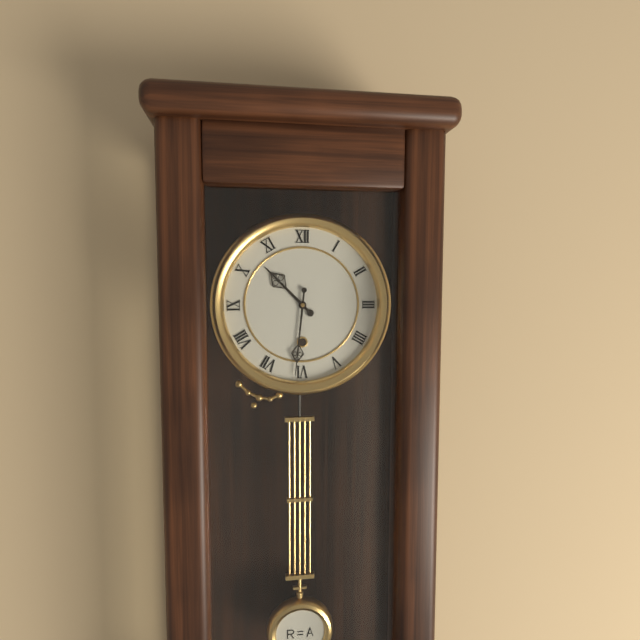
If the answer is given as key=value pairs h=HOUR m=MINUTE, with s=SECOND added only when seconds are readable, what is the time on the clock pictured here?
h=10 m=31
